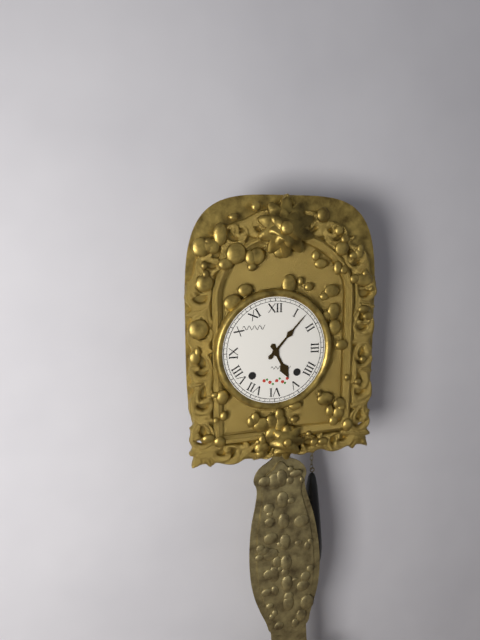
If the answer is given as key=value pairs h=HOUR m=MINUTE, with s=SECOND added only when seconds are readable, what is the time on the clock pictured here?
h=5 m=7
